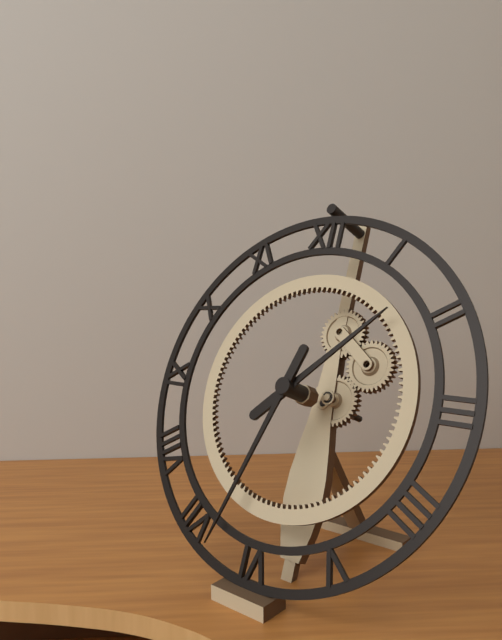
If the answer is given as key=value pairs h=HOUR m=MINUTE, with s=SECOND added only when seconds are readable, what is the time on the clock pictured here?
h=1 m=33
